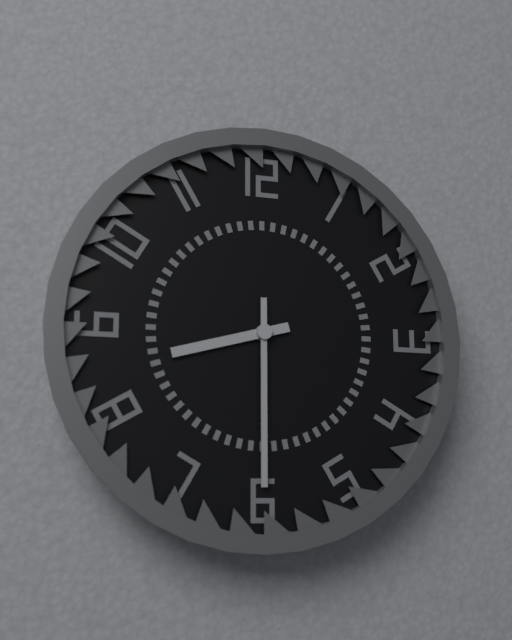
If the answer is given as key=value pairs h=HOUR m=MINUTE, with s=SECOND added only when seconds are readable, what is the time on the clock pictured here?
h=8 m=30
